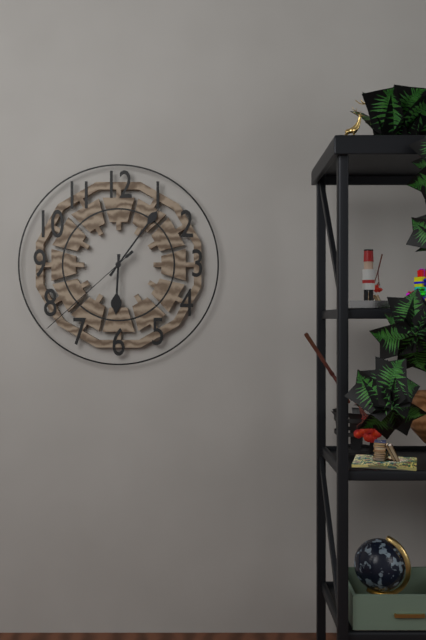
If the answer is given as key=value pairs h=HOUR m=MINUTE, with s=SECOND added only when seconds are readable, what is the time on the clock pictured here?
h=6 m=6 s=38
